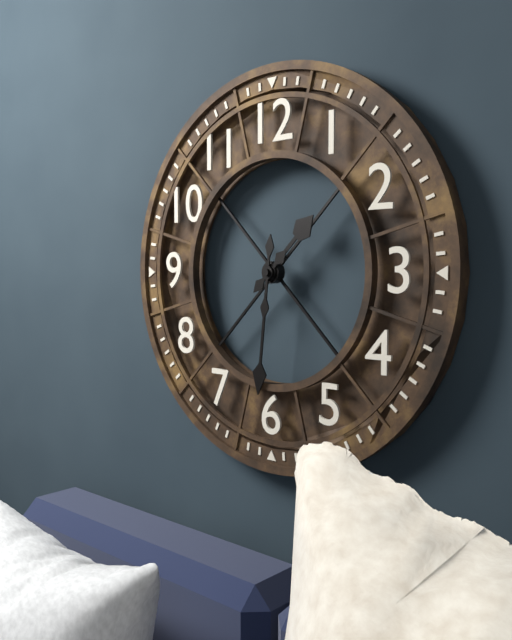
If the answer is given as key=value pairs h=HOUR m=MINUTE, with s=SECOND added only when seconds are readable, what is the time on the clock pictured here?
h=1 m=31
